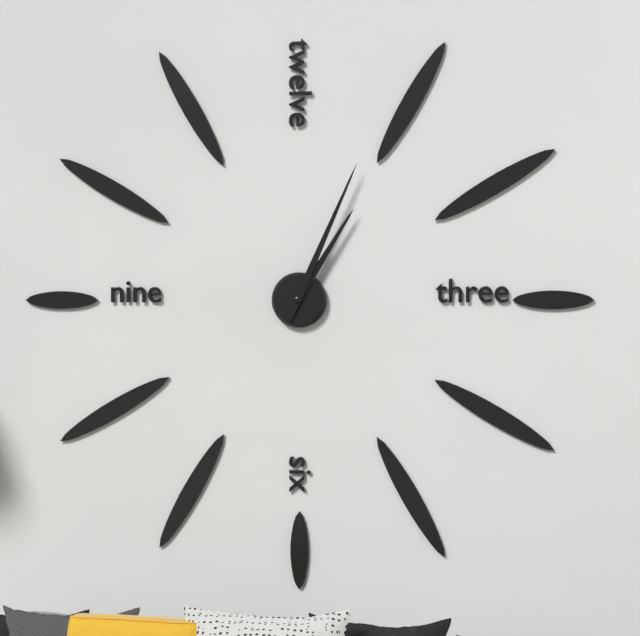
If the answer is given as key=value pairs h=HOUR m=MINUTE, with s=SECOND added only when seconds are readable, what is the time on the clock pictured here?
h=1 m=4
